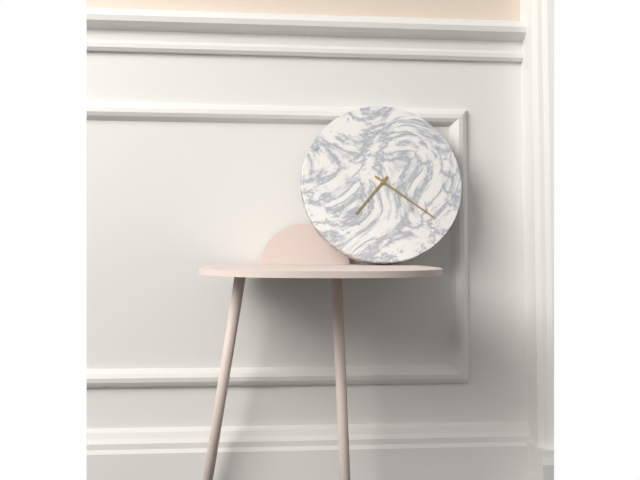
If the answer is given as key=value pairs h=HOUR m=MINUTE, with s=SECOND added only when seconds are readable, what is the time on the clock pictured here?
h=7 m=21
